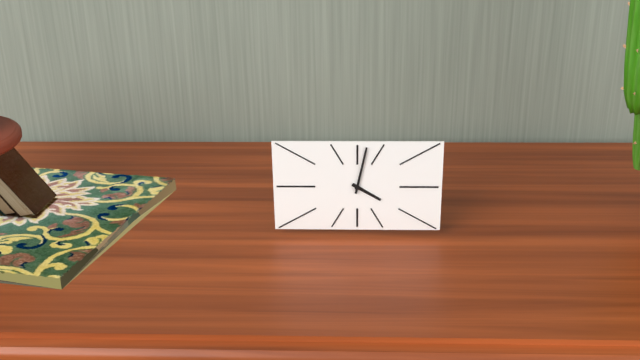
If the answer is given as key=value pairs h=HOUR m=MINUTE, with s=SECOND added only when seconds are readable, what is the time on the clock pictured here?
h=4 m=2
